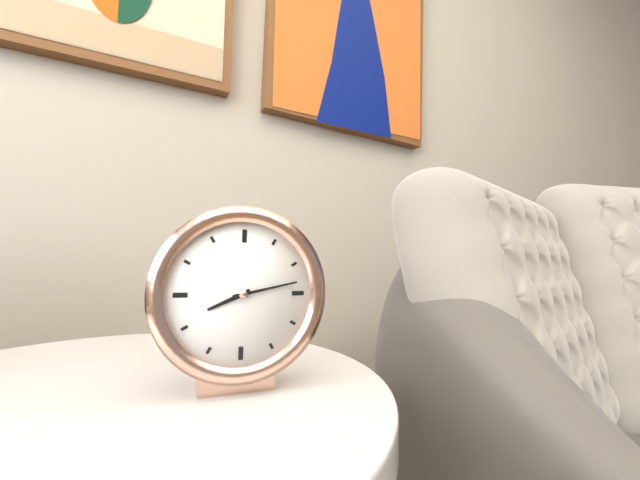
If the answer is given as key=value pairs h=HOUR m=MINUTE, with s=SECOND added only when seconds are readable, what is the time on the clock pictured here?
h=8 m=13
